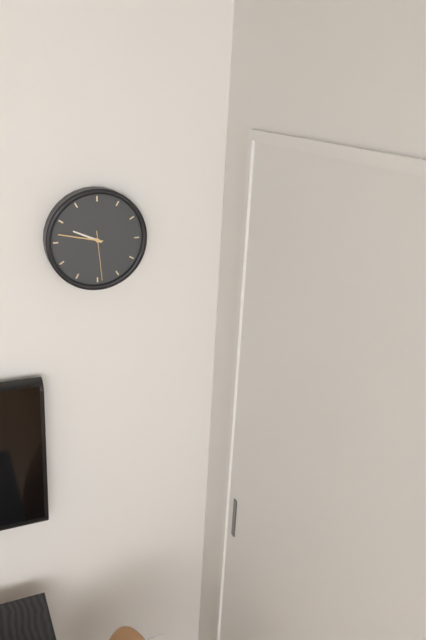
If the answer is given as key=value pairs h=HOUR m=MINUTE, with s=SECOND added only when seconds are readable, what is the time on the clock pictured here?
h=9 m=47 s=29
